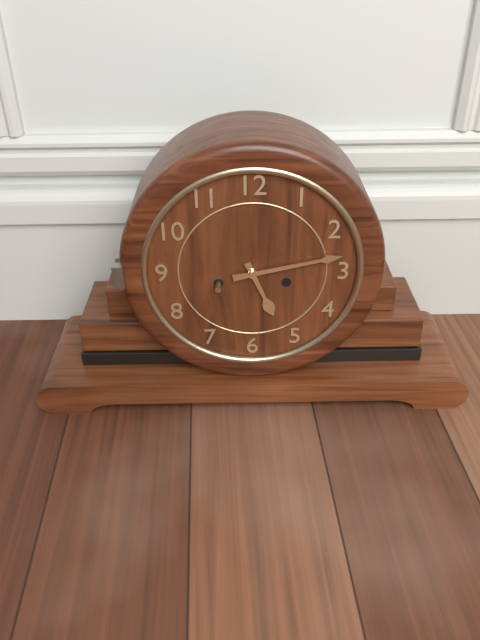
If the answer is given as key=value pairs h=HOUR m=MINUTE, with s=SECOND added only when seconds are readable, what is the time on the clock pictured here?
h=5 m=13
